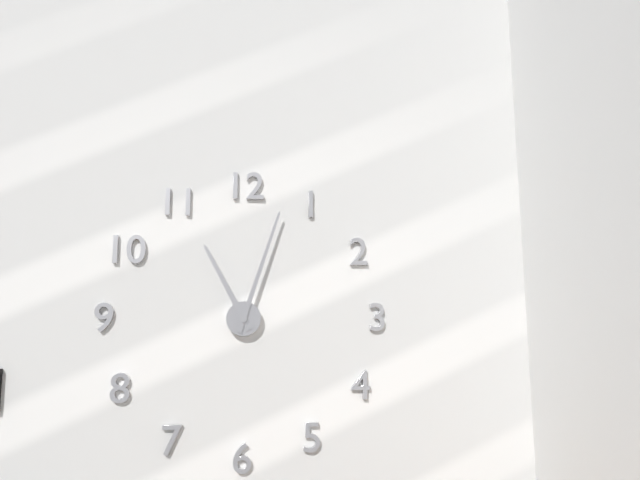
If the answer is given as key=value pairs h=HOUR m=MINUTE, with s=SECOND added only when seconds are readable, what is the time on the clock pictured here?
h=11 m=3
